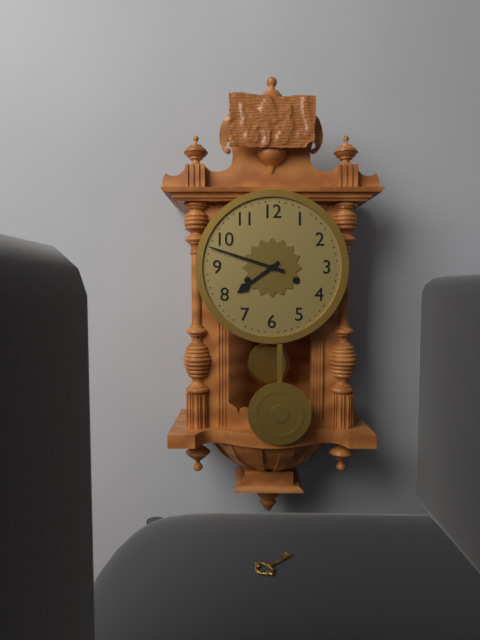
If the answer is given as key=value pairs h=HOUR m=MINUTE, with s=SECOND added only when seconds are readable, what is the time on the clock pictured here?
h=7 m=48
